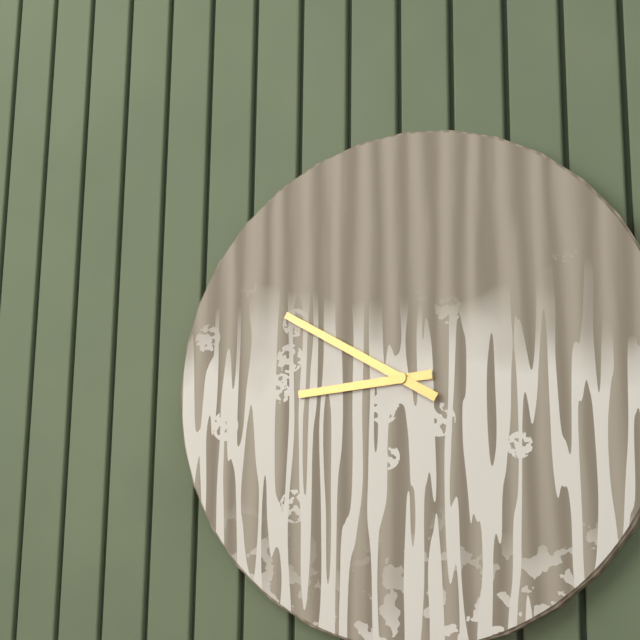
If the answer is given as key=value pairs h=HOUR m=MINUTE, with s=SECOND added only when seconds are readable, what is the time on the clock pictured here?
h=8 m=50
